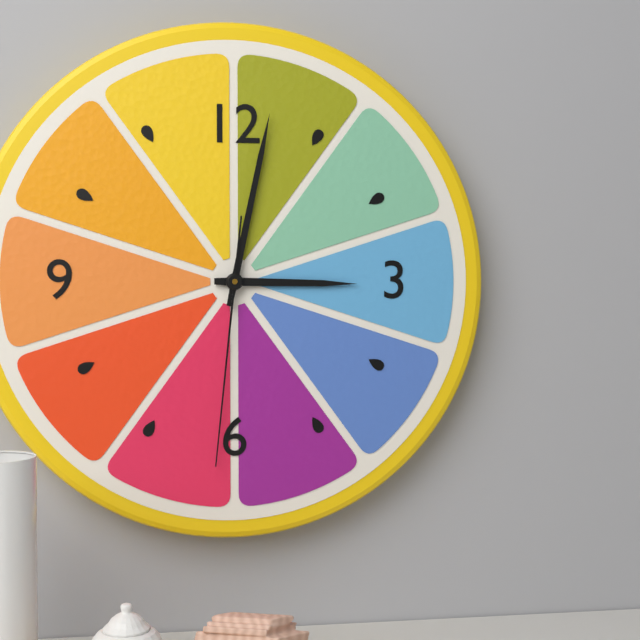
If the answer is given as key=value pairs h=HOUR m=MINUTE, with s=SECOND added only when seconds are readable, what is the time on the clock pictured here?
h=3 m=2 s=31
